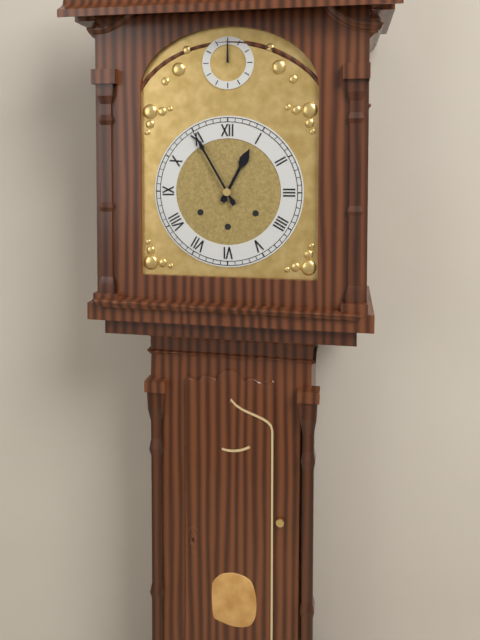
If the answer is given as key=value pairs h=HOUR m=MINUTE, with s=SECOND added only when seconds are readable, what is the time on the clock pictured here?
h=12 m=55
